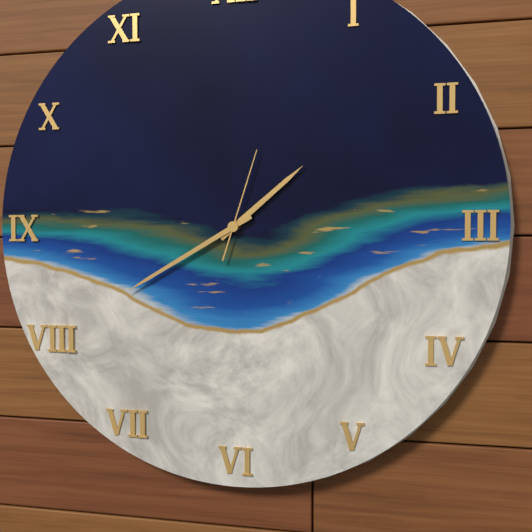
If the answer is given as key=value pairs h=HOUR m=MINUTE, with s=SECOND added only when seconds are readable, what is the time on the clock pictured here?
h=1 m=40 s=3
